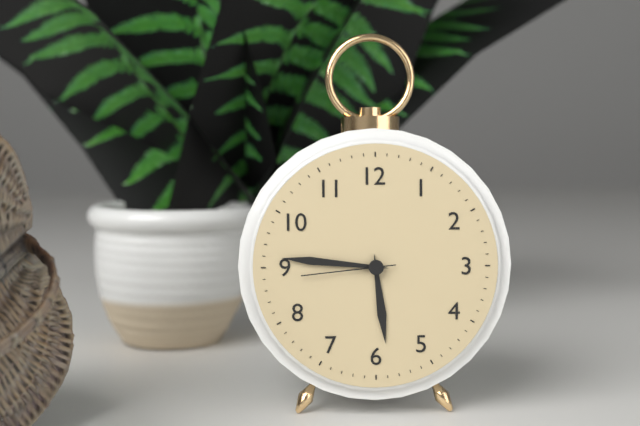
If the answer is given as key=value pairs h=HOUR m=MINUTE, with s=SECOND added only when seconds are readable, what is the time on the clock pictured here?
h=5 m=46 s=44
